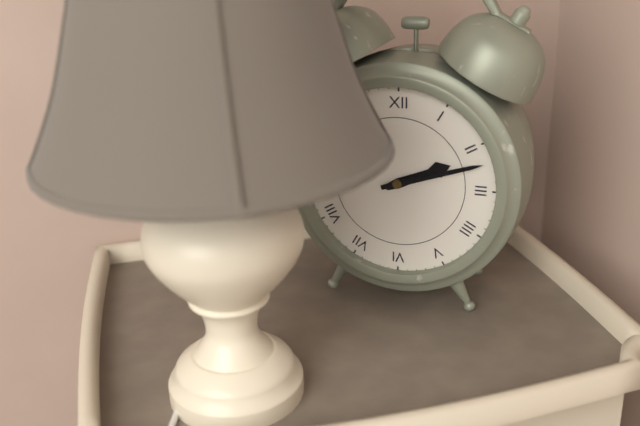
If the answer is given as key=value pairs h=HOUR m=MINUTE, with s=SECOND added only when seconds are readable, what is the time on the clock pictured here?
h=2 m=12
